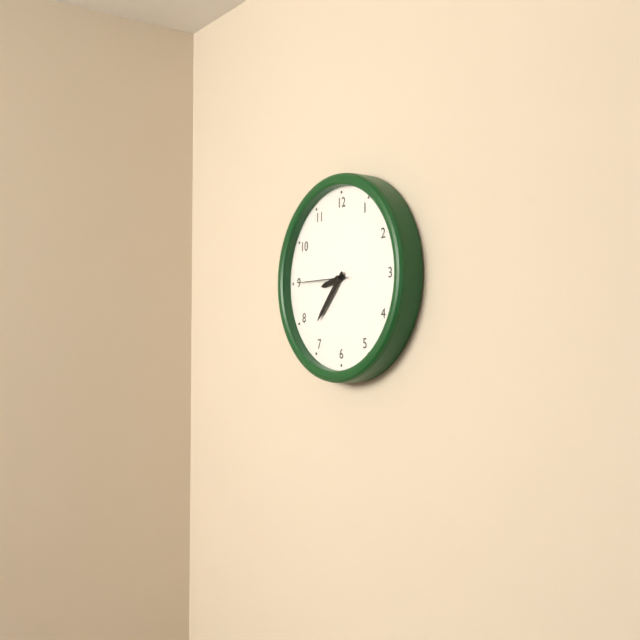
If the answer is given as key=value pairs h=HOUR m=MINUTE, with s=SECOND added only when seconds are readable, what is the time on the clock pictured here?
h=8 m=37 s=45
